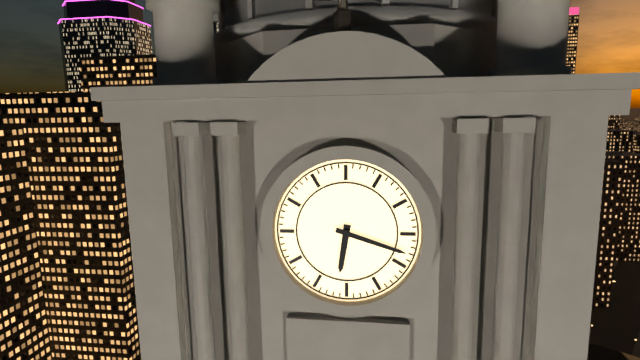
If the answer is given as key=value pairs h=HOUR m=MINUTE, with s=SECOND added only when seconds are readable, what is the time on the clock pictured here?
h=6 m=18
